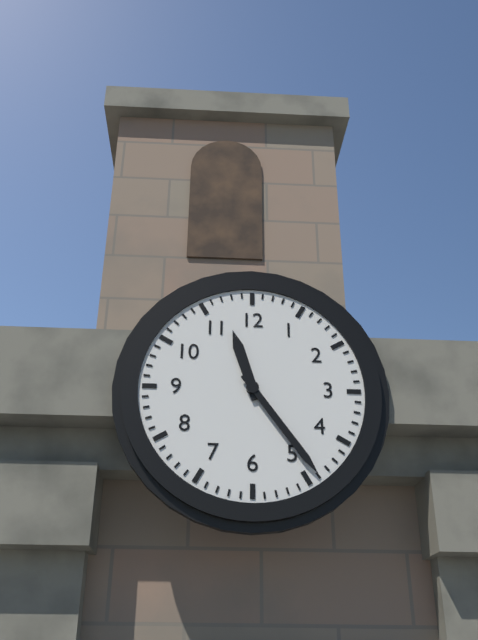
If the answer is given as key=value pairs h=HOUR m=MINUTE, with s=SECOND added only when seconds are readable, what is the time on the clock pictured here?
h=11 m=24
